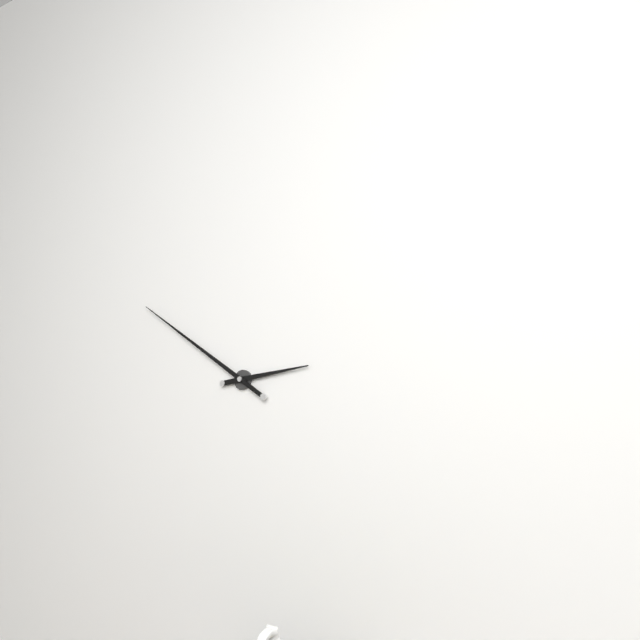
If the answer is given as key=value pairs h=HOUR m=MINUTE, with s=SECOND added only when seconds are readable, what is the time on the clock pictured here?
h=2 m=51
